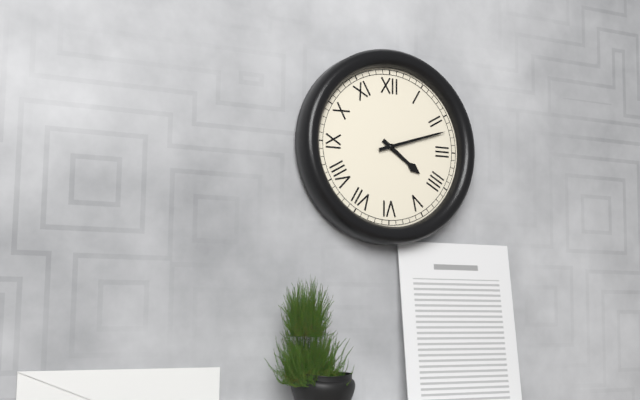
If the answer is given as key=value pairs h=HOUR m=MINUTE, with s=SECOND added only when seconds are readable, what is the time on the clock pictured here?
h=4 m=12
